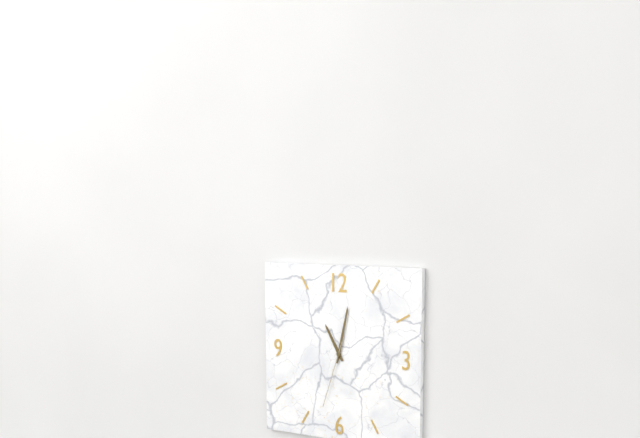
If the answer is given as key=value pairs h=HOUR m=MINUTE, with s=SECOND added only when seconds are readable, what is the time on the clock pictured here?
h=11 m=2 s=33
